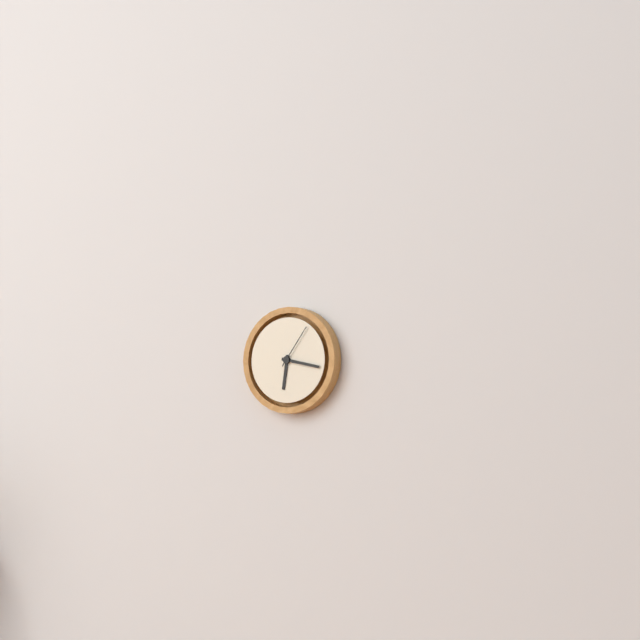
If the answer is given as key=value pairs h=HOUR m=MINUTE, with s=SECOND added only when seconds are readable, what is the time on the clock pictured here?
h=6 m=17
